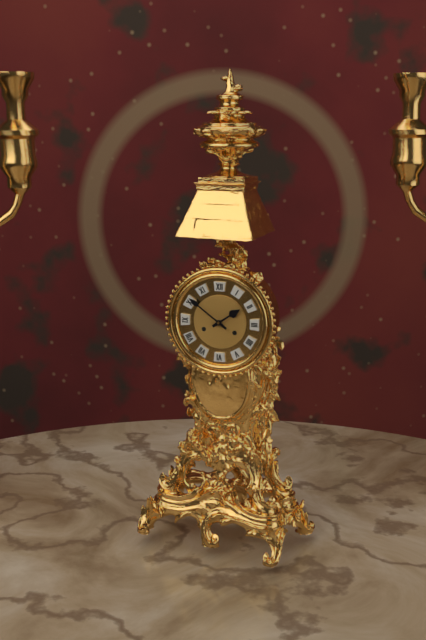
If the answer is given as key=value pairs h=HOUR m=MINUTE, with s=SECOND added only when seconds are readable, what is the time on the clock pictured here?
h=1 m=51
